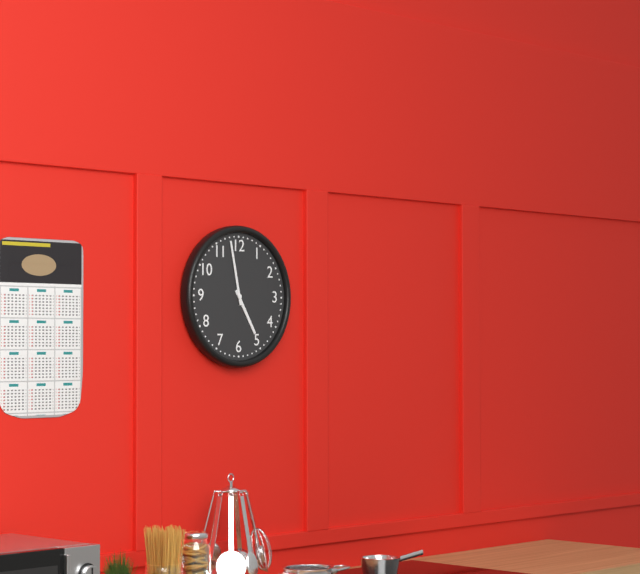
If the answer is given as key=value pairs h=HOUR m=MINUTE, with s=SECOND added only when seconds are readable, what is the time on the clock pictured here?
h=4 m=58
